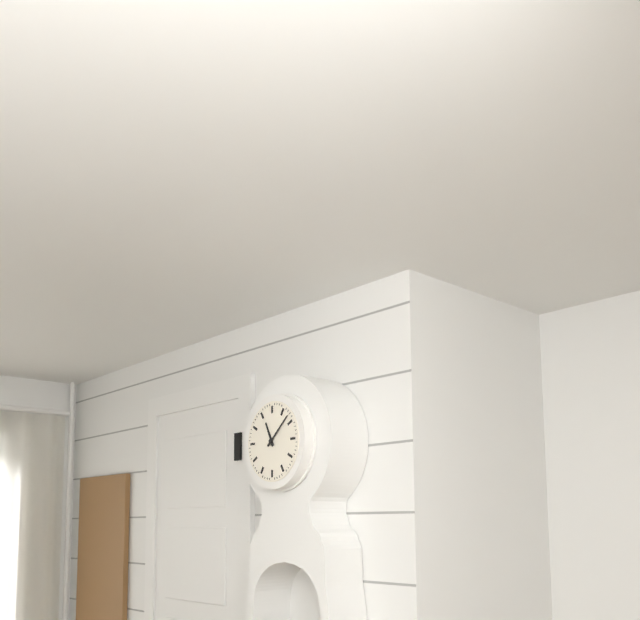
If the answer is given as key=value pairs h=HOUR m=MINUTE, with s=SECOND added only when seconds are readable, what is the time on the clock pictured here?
h=11 m=8
